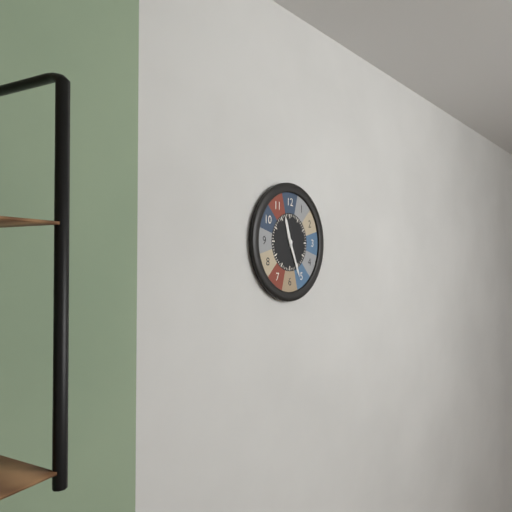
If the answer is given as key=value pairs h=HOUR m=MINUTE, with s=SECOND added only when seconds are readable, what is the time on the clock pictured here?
h=11 m=26
